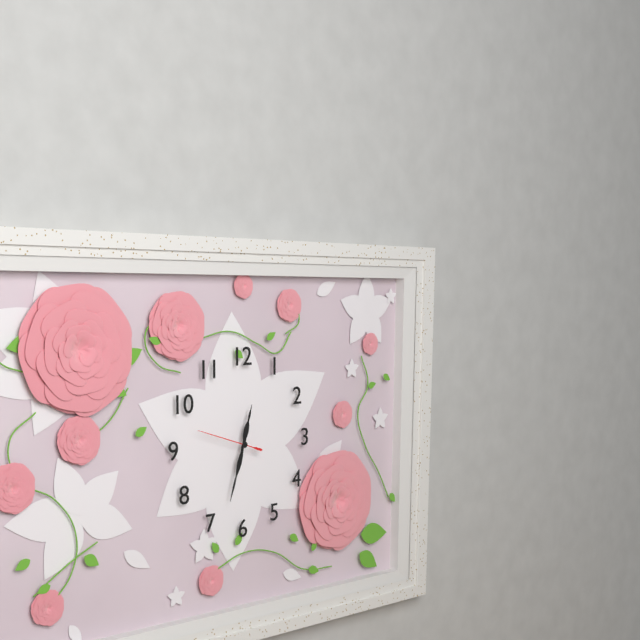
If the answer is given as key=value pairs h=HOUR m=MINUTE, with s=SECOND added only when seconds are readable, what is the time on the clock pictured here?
h=12 m=33 s=48
